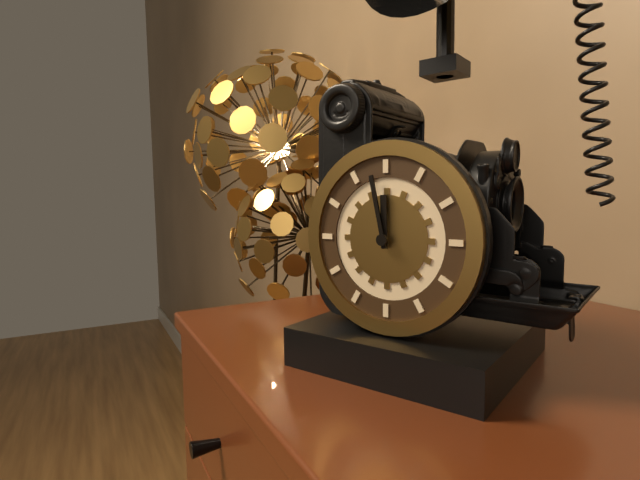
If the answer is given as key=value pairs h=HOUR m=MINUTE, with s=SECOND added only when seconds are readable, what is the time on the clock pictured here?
h=11 m=58
